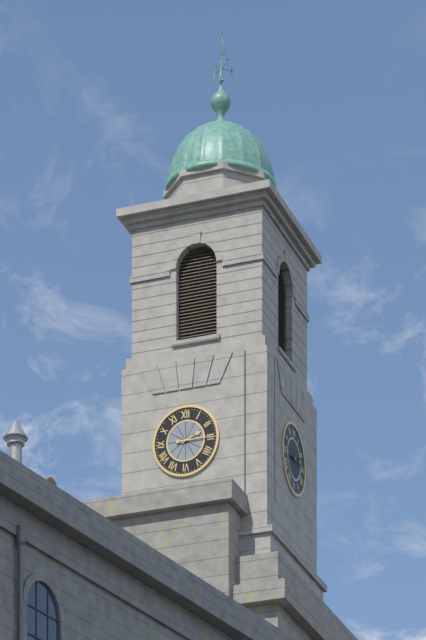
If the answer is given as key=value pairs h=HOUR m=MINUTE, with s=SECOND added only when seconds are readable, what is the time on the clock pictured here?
h=2 m=15
